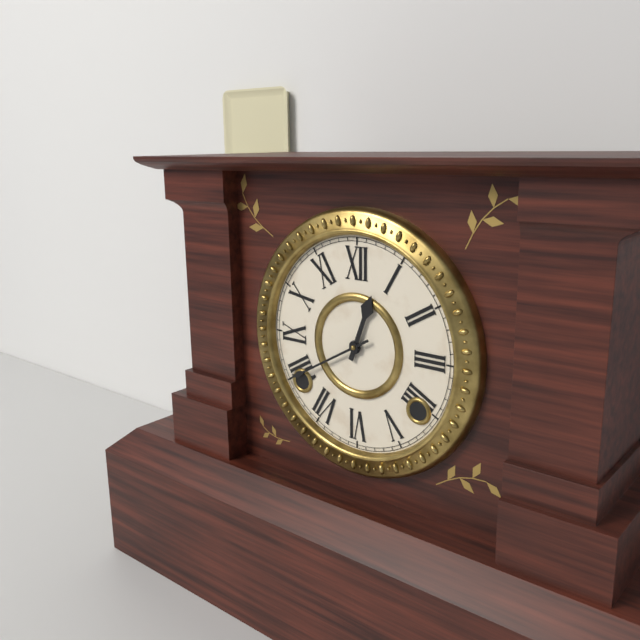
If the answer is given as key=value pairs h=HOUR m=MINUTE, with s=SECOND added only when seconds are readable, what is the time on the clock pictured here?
h=12 m=40
